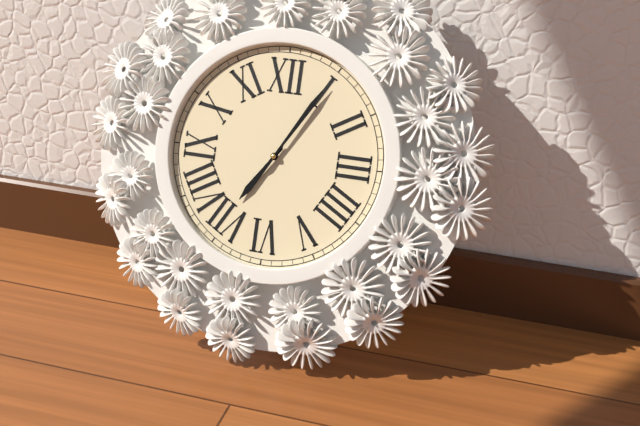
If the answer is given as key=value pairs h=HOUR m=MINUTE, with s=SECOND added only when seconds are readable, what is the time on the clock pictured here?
h=7 m=5
